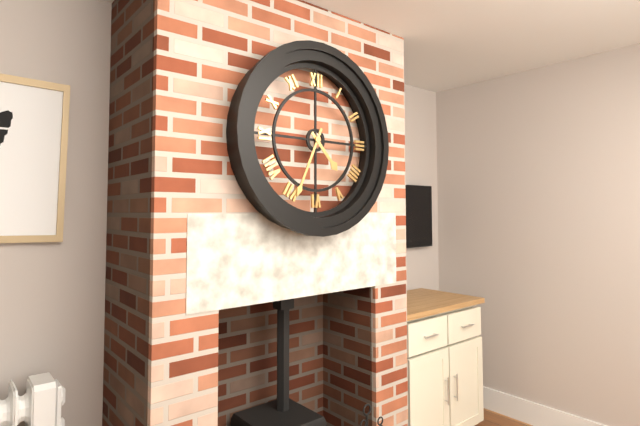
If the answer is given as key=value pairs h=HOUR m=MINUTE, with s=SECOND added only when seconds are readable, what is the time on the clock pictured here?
h=4 m=34
